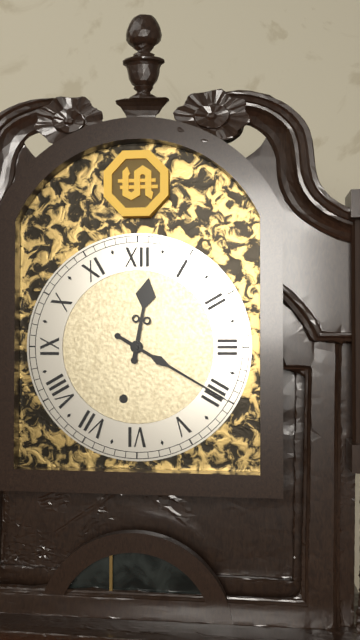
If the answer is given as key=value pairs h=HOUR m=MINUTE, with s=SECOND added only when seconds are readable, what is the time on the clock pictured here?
h=12 m=20
